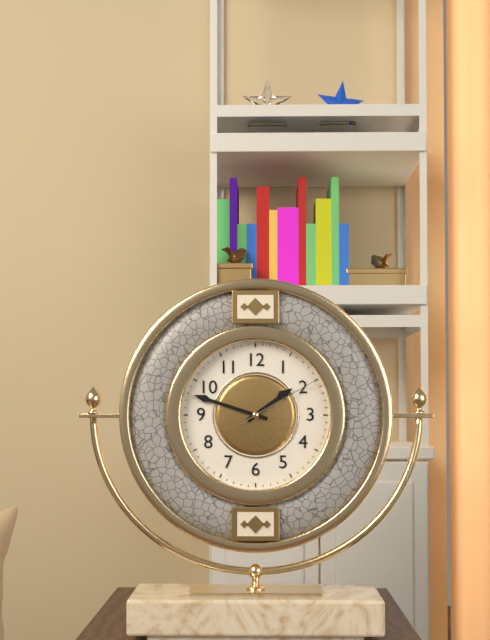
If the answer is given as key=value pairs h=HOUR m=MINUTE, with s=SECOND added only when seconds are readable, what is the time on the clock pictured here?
h=1 m=48 s=10
